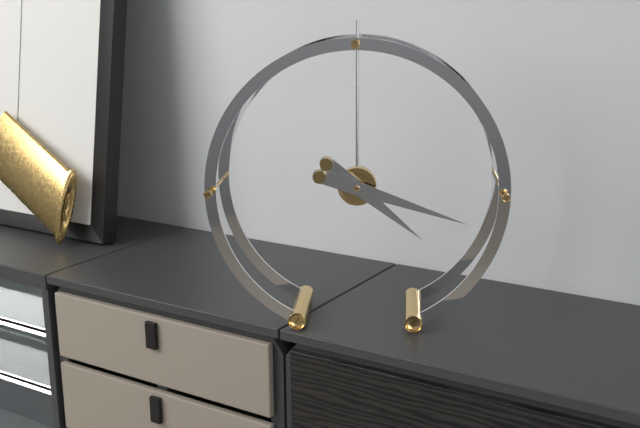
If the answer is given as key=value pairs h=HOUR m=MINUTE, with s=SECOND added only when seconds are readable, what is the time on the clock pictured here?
h=4 m=18
